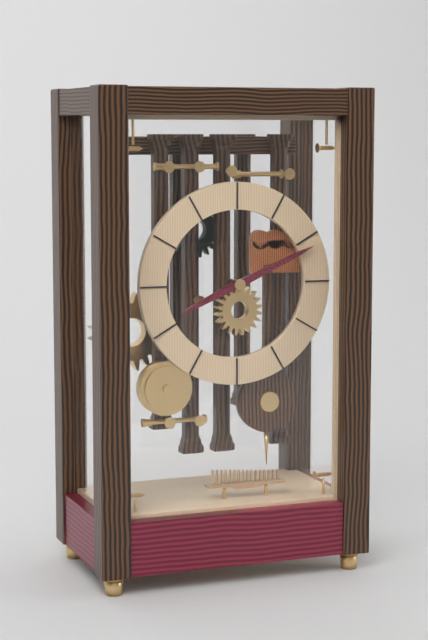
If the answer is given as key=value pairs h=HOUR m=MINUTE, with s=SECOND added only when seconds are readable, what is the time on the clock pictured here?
h=8 m=11
